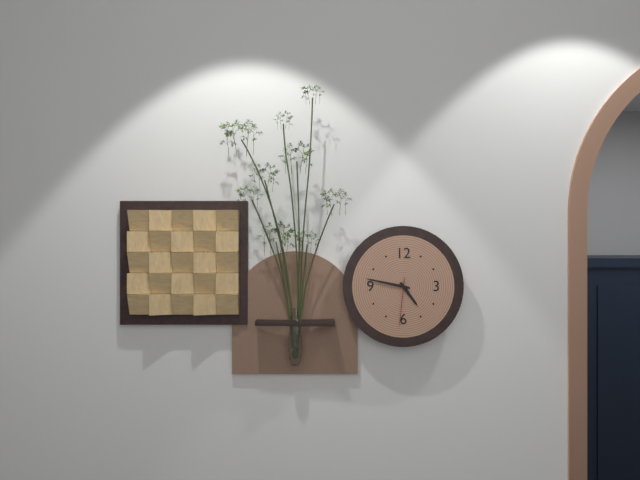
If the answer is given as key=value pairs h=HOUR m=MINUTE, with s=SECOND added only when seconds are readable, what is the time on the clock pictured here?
h=4 m=47 s=31
